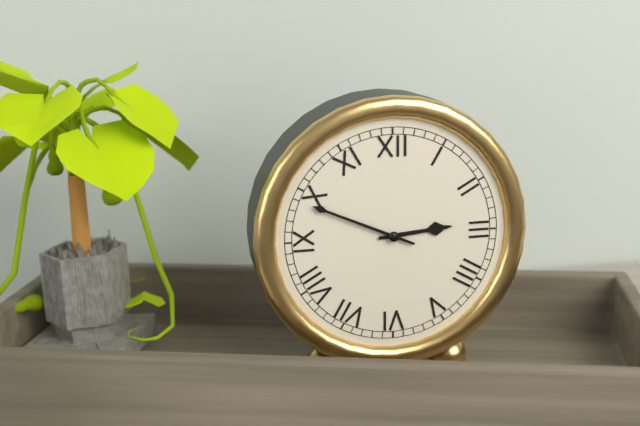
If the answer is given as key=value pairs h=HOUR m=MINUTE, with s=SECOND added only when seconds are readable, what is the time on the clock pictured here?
h=2 m=49
